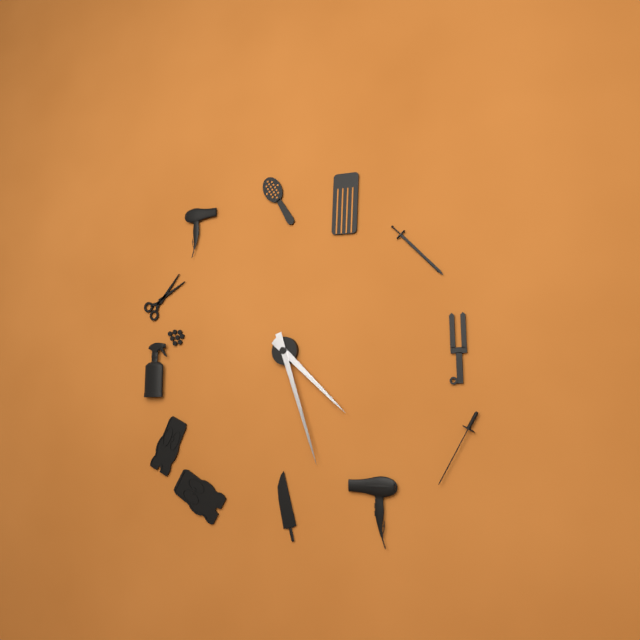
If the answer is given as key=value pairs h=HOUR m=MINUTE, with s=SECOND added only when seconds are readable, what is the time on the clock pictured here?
h=4 m=27
